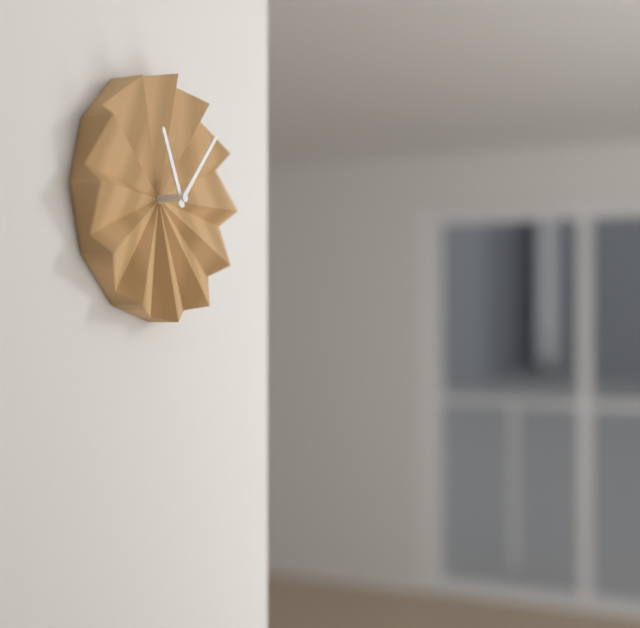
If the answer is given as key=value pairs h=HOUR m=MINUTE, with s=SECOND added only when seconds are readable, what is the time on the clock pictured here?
h=11 m=7
